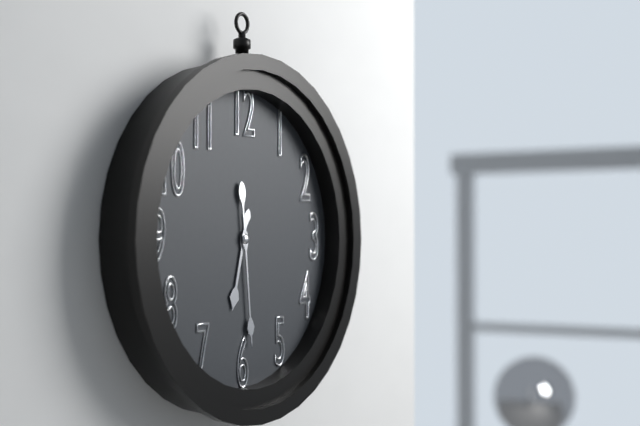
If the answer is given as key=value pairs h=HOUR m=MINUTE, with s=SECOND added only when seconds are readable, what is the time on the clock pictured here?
h=6 m=29
